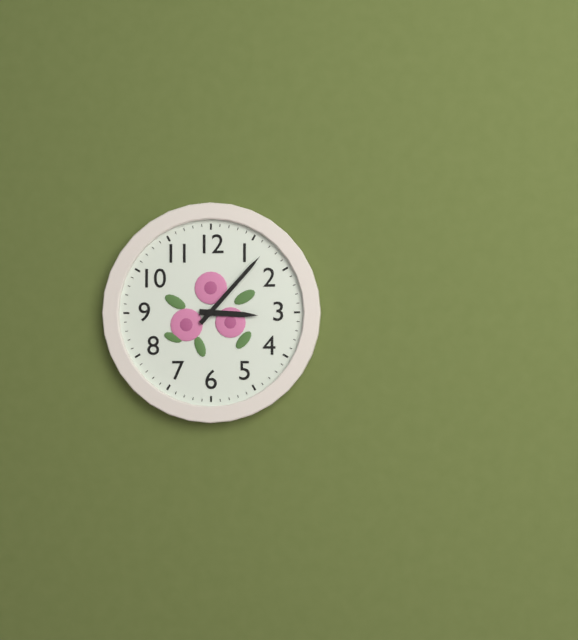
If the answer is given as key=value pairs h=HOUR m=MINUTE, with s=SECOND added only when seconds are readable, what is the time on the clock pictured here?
h=3 m=7
